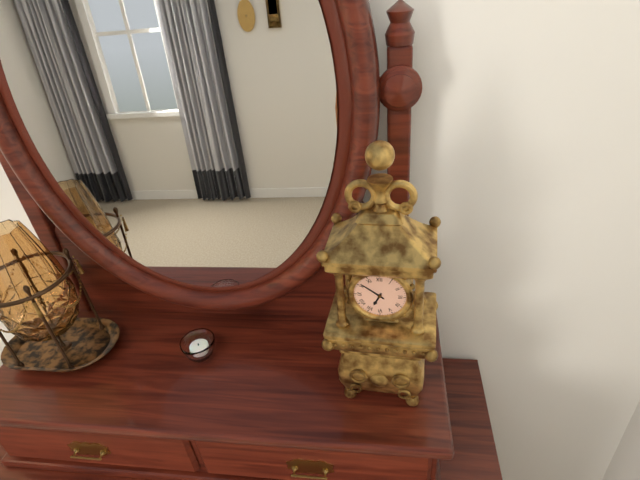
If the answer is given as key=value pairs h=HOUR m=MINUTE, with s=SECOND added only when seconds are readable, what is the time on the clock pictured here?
h=6 m=51
